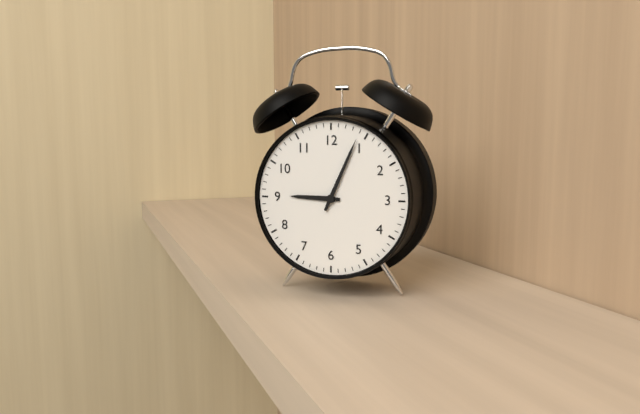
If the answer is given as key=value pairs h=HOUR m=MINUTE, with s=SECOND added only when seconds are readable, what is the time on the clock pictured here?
h=9 m=4
